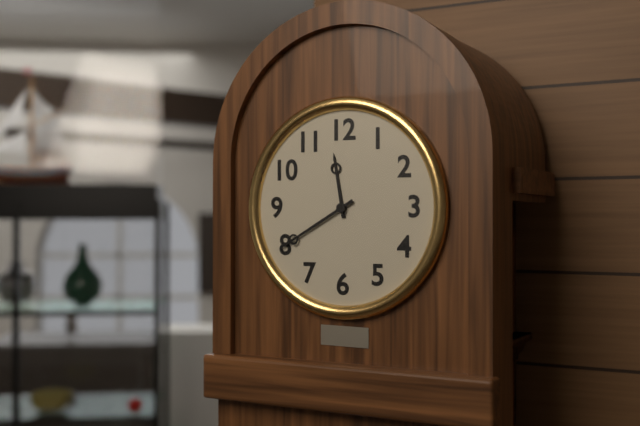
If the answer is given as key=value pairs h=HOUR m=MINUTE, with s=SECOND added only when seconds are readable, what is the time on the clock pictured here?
h=11 m=40
